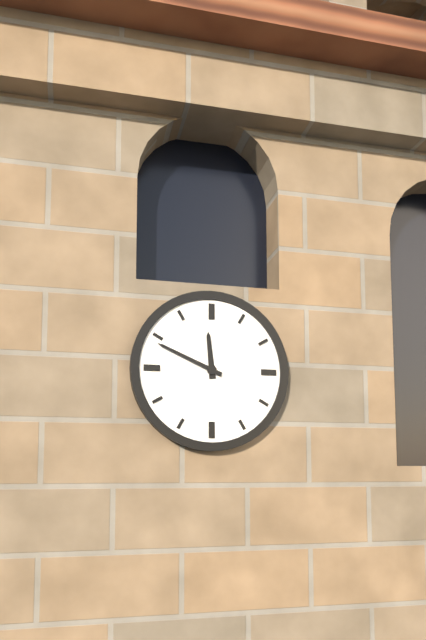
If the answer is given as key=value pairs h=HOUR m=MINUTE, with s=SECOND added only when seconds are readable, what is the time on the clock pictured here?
h=11 m=49
